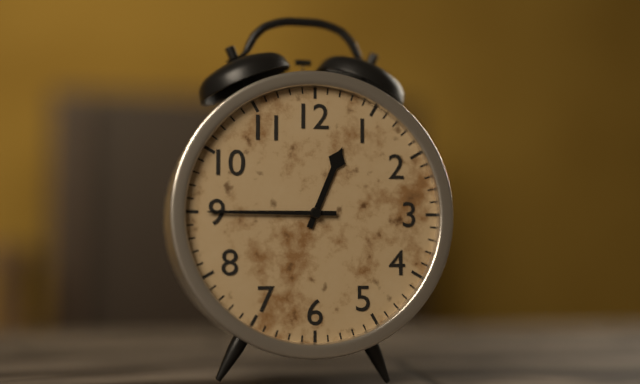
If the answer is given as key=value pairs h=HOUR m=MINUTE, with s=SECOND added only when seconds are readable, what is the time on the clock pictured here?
h=12 m=45
